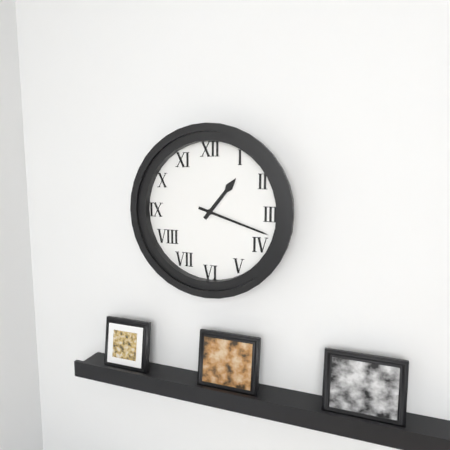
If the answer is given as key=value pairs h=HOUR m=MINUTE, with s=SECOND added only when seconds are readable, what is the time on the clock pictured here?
h=1 m=18
